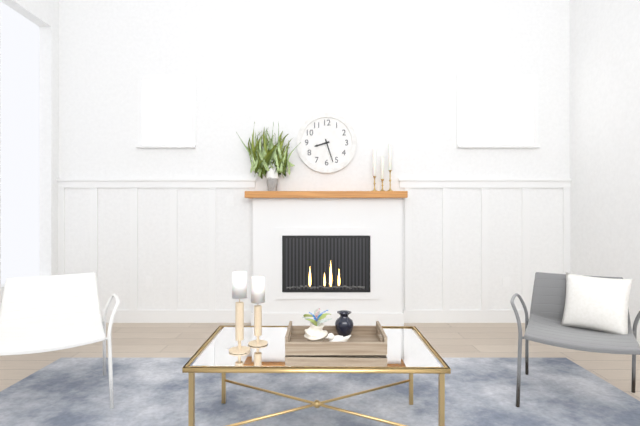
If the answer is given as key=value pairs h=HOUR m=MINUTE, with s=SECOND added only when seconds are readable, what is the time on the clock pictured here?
h=8 m=27
